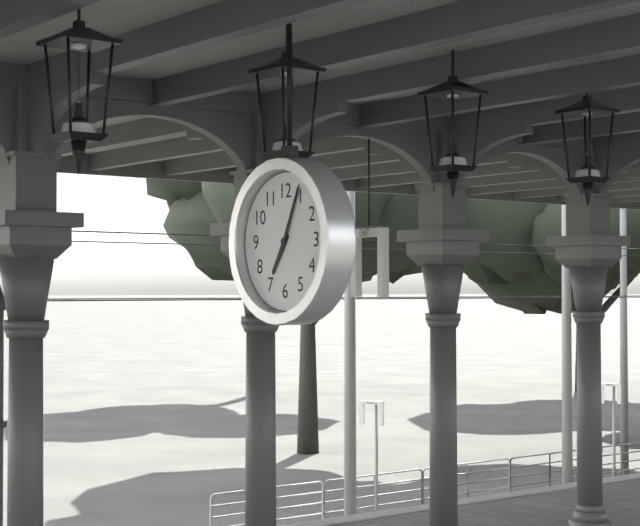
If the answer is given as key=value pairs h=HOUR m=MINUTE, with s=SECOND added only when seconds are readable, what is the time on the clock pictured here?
h=7 m=4
